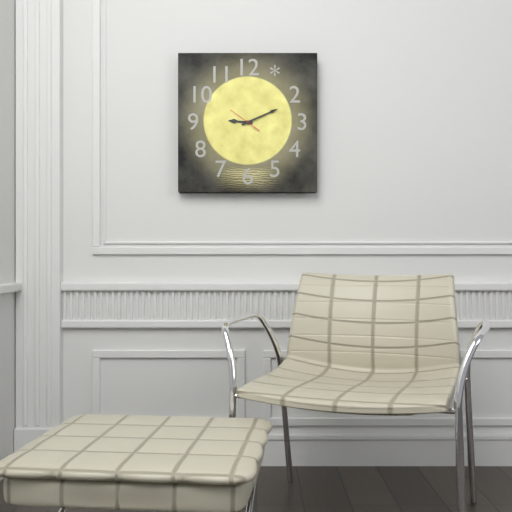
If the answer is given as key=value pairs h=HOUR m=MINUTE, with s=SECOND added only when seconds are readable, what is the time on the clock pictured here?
h=9 m=11
